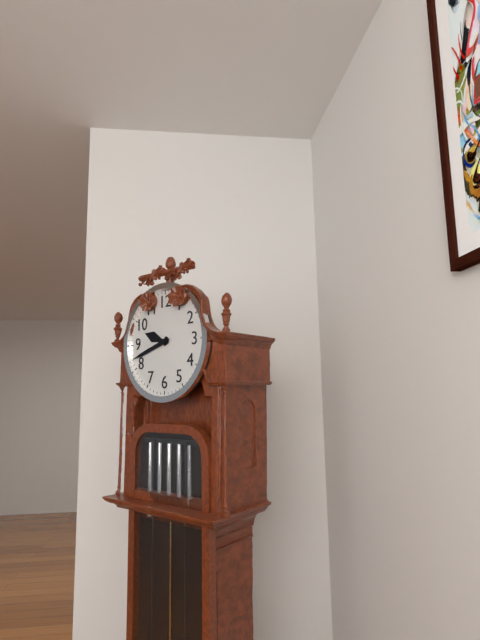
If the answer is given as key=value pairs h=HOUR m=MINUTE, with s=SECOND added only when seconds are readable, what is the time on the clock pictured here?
h=9 m=42
